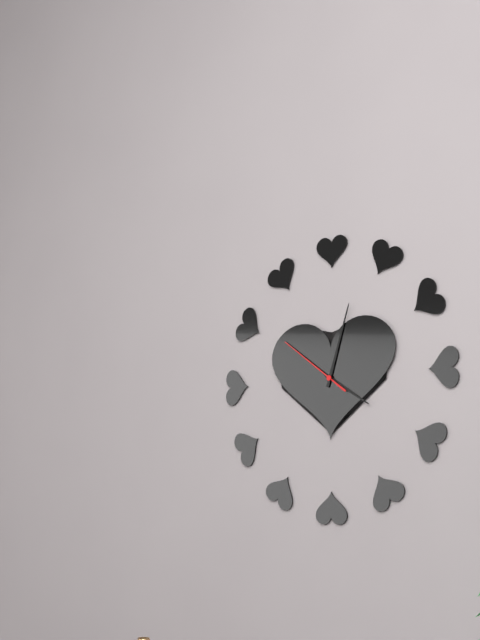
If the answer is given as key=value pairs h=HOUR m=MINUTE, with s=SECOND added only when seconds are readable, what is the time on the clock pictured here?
h=4 m=3 s=51
